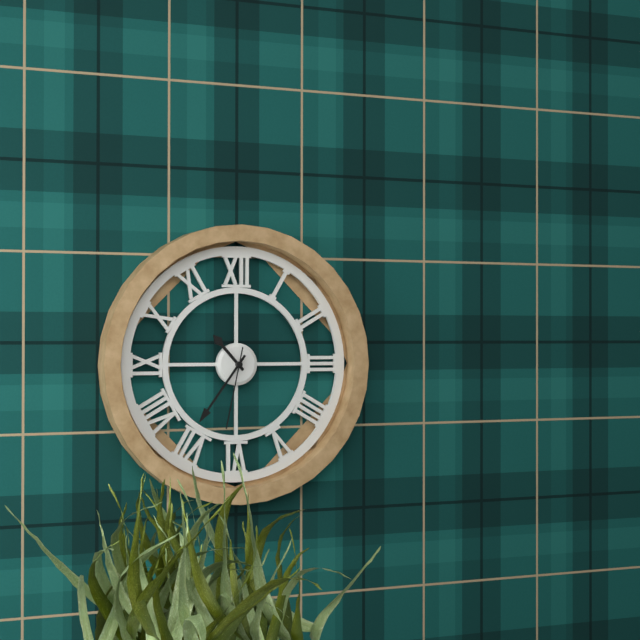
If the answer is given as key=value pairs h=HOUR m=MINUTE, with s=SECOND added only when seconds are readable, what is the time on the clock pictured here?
h=10 m=36 s=32
